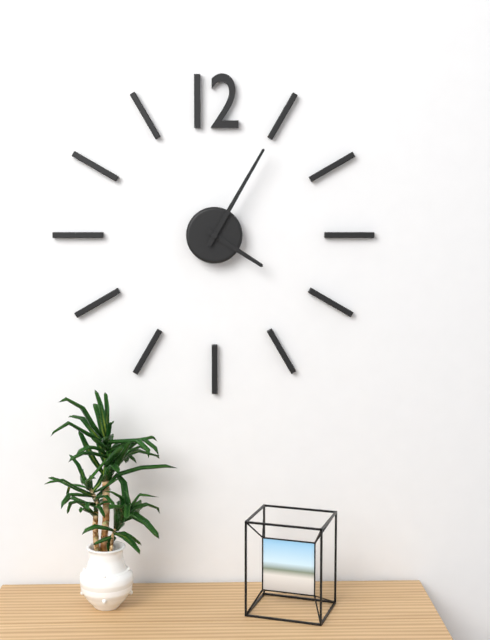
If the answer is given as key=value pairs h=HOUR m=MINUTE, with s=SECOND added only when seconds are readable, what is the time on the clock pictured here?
h=4 m=5
